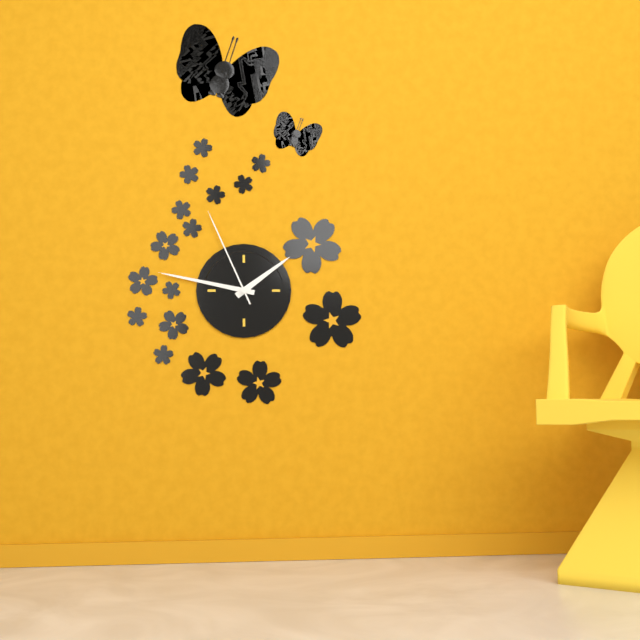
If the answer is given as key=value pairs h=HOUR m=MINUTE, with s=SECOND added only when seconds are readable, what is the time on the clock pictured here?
h=1 m=47 s=56
